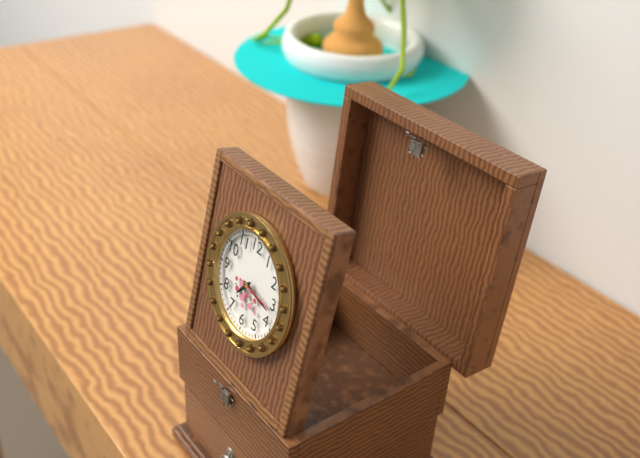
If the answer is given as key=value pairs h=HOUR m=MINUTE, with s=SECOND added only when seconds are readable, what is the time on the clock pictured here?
h=7 m=17
